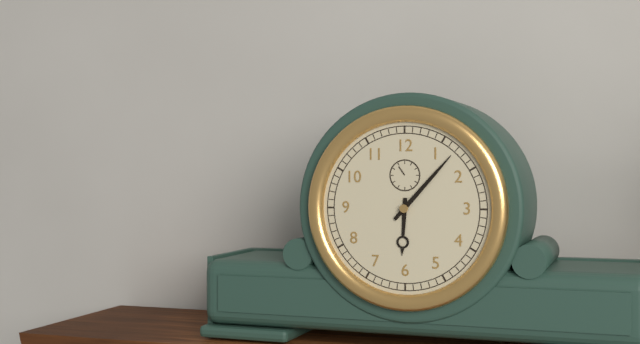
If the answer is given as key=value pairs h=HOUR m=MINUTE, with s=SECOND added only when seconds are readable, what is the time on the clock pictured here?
h=6 m=7
